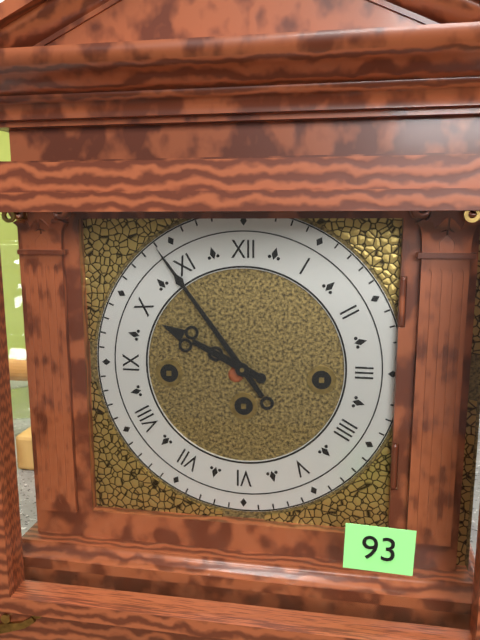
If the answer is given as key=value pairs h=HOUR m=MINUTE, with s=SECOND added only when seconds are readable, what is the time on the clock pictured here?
h=9 m=54
